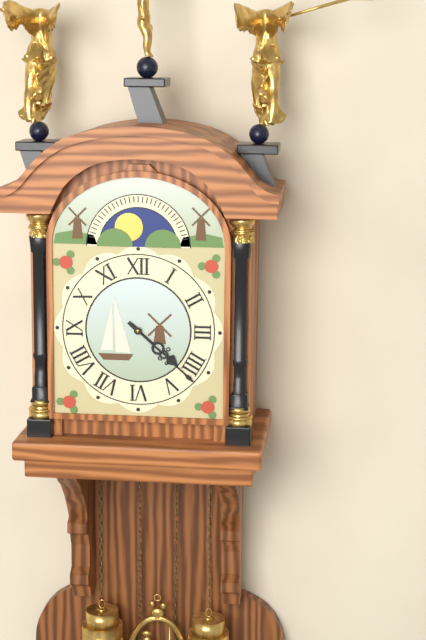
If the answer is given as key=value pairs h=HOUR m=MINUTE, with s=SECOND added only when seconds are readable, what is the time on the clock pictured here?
h=4 m=22
